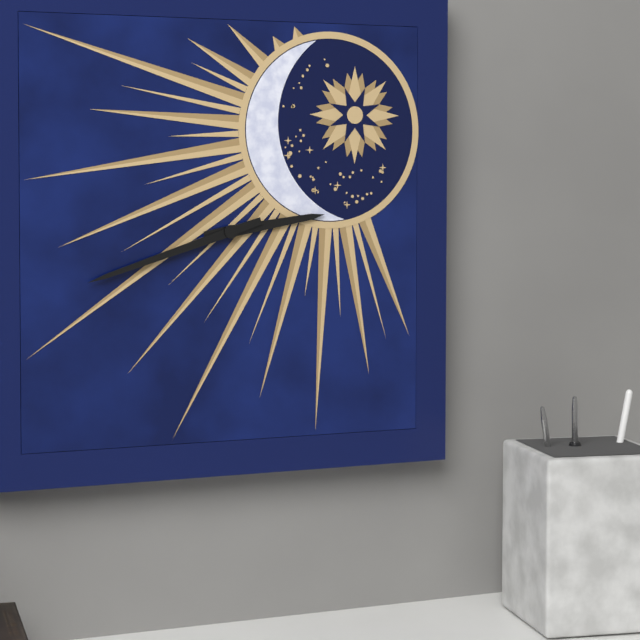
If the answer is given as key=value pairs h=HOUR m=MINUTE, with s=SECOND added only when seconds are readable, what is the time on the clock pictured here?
h=2 m=42
